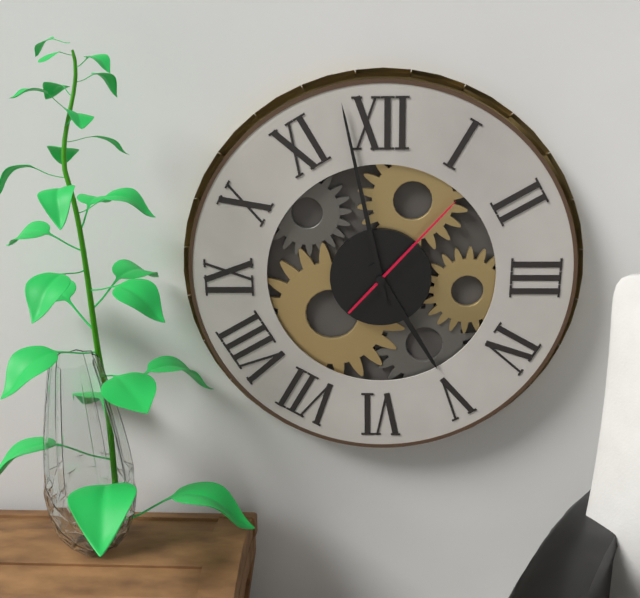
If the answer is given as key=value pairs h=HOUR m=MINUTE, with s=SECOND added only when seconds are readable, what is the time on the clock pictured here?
h=4 m=58 s=7
